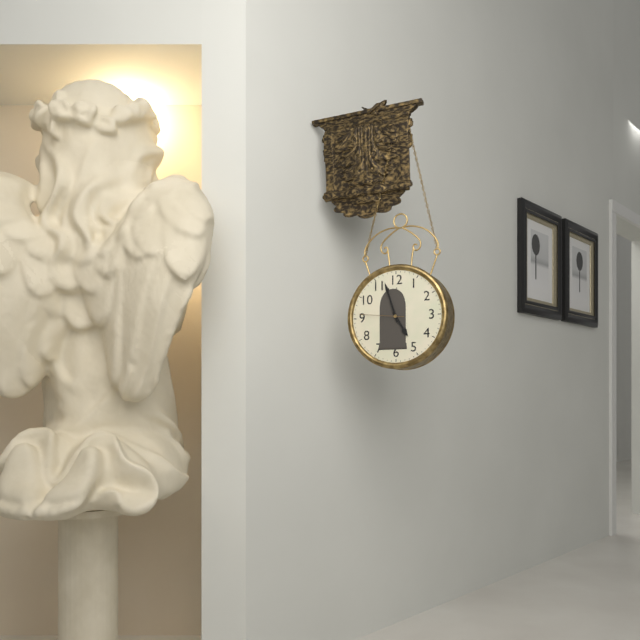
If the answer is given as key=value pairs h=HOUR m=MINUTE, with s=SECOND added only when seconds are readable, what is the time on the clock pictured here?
h=4 m=57
